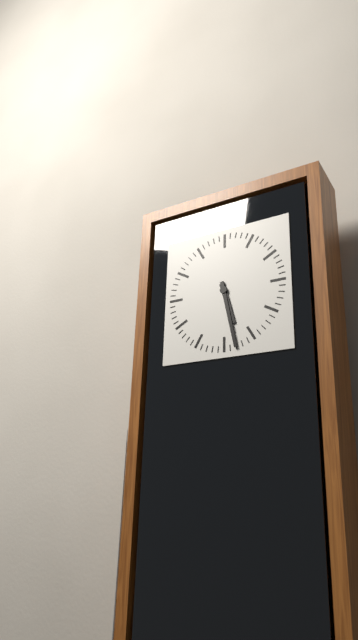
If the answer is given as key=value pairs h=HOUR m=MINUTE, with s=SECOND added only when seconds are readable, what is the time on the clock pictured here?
h=5 m=28
